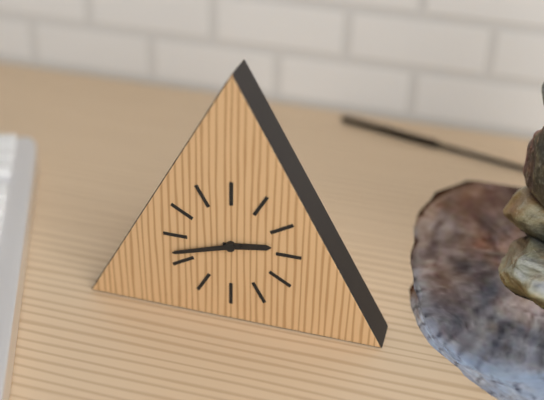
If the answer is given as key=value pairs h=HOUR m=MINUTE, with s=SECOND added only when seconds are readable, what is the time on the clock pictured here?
h=2 m=42
